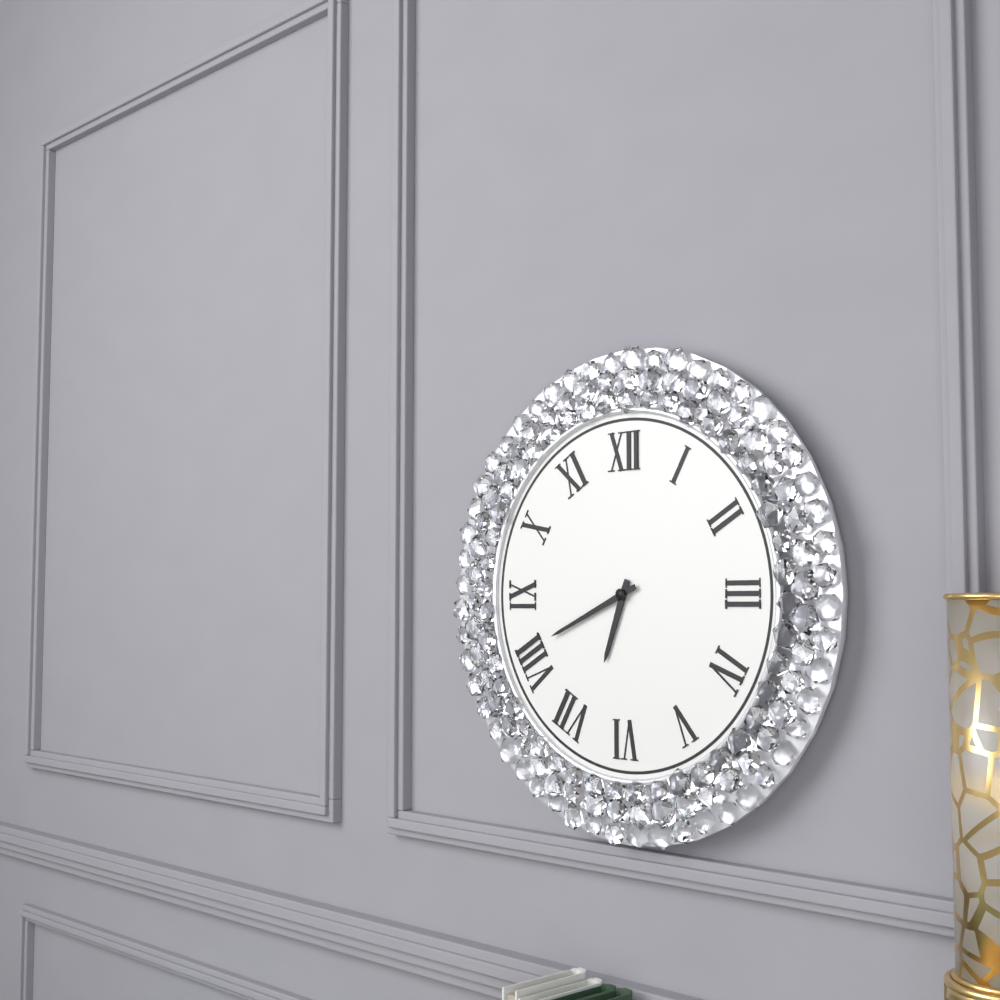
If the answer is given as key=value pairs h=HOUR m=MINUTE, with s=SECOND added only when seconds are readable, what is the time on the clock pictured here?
h=6 m=41
